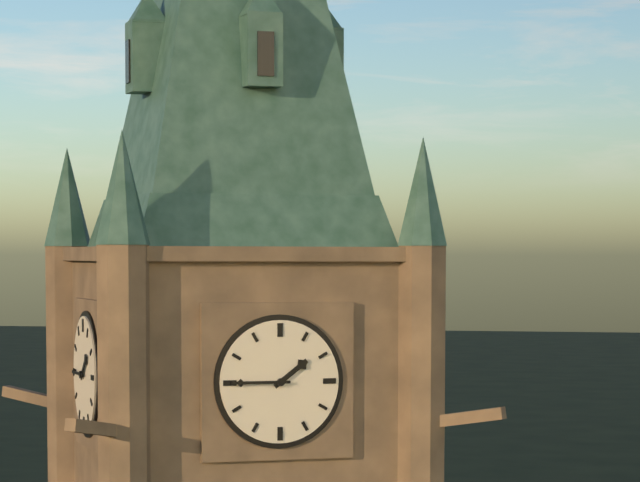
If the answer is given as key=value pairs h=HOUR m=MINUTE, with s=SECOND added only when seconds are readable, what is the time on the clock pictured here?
h=1 m=45
